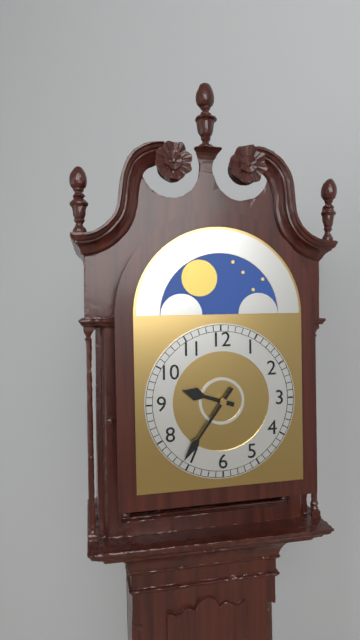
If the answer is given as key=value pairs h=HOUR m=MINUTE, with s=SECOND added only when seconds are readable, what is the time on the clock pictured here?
h=9 m=36
